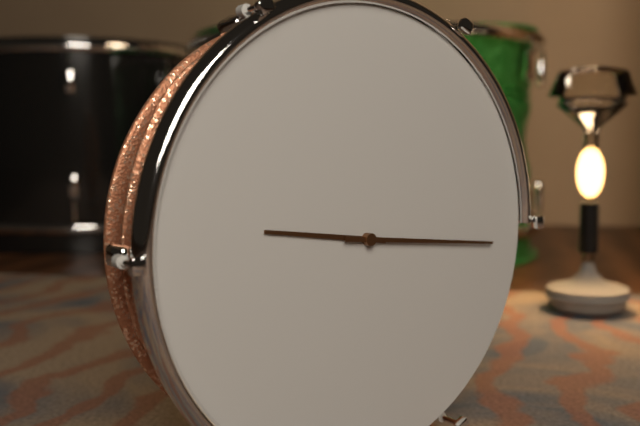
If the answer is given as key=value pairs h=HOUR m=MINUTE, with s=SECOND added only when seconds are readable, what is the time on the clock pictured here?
h=9 m=16
